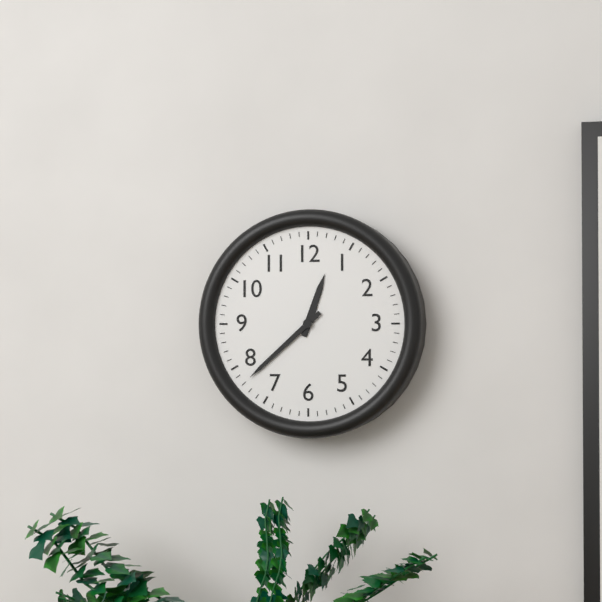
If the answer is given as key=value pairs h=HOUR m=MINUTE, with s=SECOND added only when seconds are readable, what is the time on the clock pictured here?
h=12 m=38
